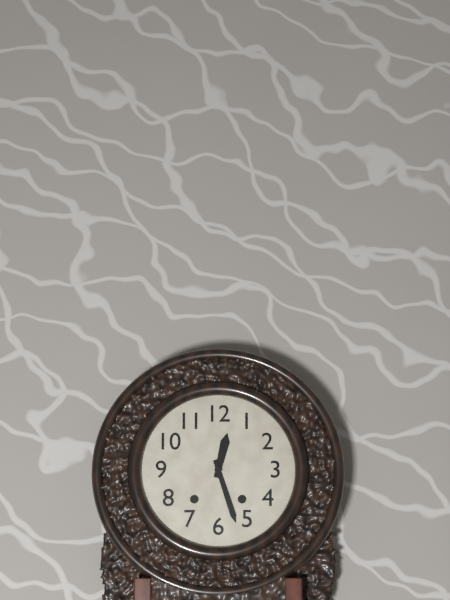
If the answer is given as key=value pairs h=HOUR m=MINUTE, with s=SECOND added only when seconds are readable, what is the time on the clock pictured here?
h=12 m=27
